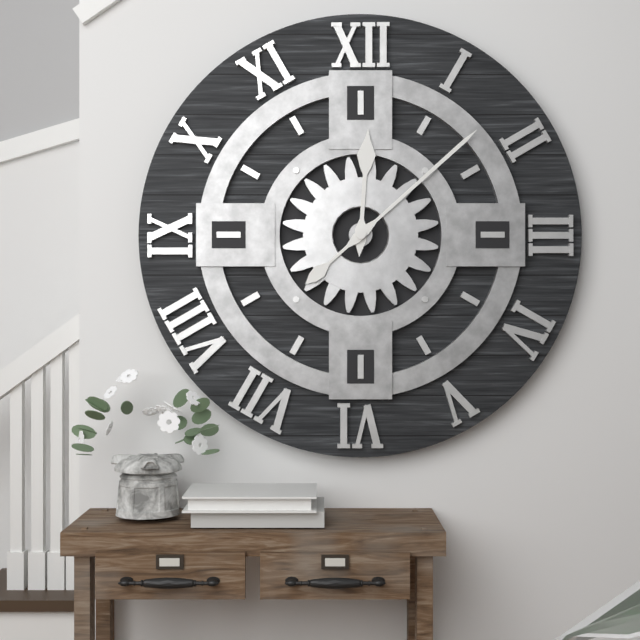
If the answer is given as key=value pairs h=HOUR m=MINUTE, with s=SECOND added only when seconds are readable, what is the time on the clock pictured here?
h=12 m=8
